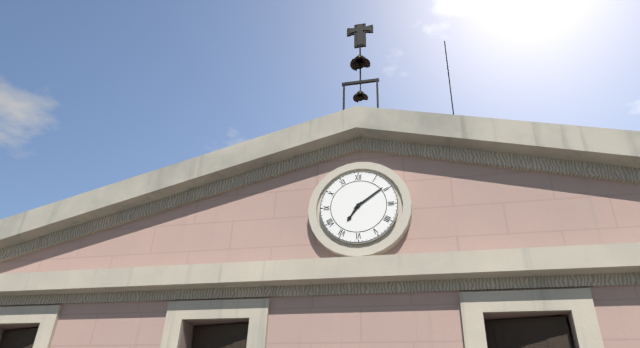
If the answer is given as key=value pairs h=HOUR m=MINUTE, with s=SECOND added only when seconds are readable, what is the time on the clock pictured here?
h=7 m=9
